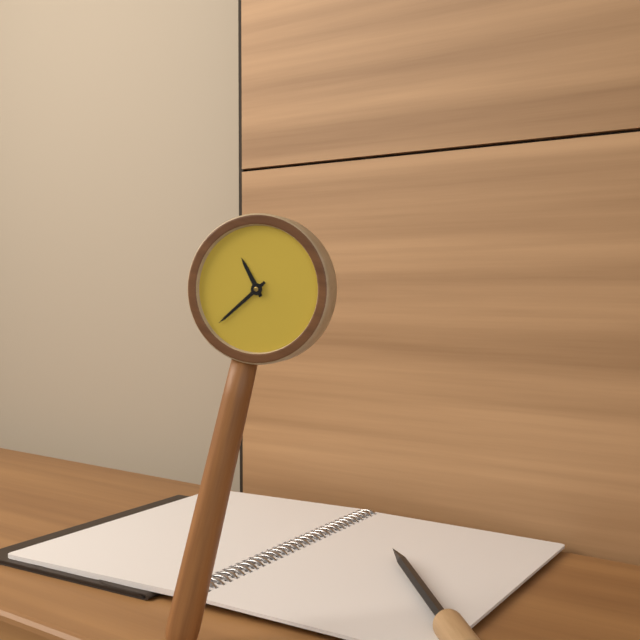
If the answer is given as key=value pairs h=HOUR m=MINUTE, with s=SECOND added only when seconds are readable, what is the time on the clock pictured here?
h=10 m=36
